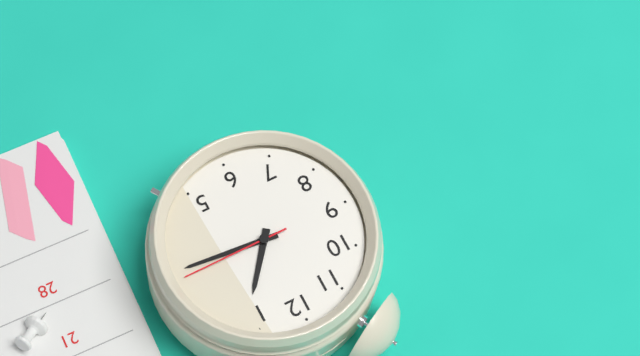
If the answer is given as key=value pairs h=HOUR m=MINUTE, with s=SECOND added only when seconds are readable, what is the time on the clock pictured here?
h=1 m=16 s=15
